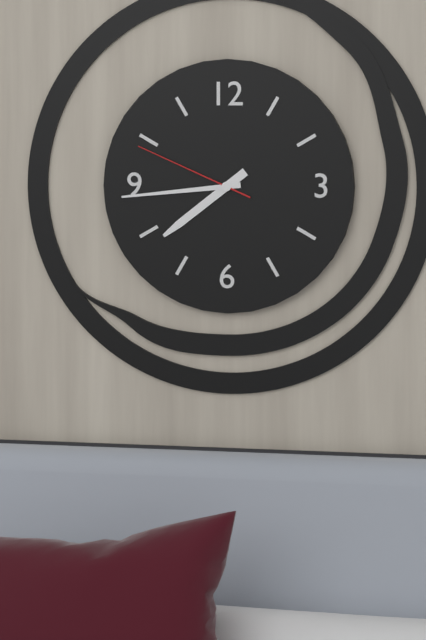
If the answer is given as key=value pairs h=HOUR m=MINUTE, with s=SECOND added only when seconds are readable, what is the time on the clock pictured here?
h=7 m=44 s=49
